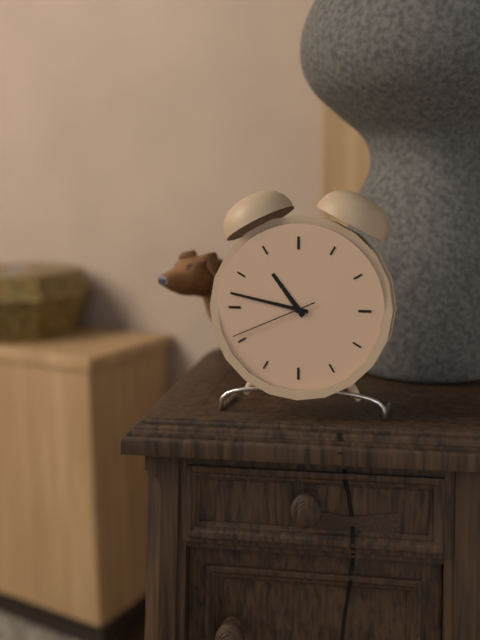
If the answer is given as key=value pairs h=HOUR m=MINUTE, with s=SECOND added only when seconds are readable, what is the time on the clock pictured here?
h=10 m=47 s=41
